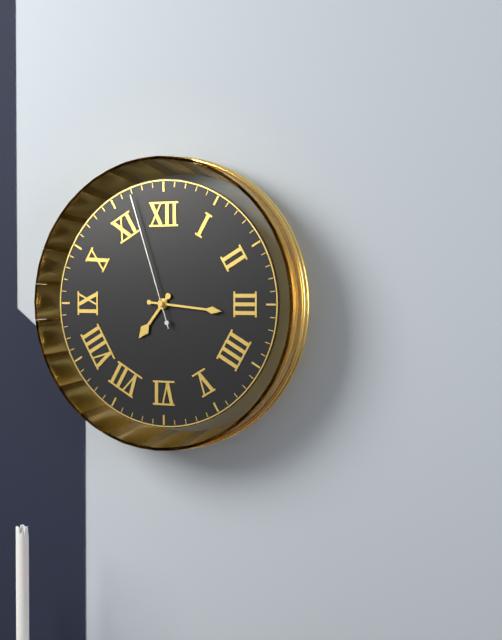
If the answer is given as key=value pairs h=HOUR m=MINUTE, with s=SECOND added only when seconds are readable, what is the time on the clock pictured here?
h=7 m=16 s=57
